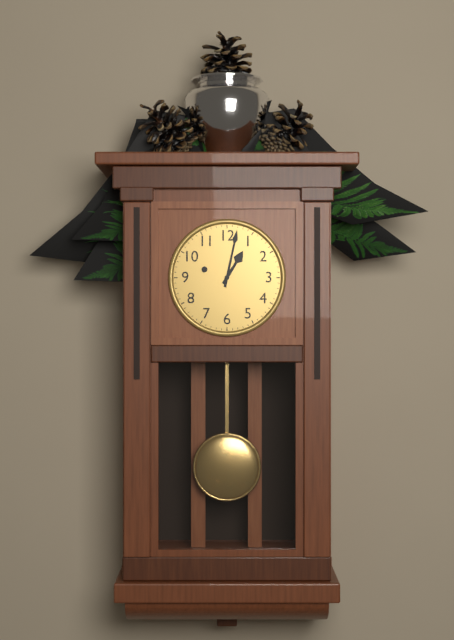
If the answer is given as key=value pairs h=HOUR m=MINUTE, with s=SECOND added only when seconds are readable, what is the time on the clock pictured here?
h=1 m=2
